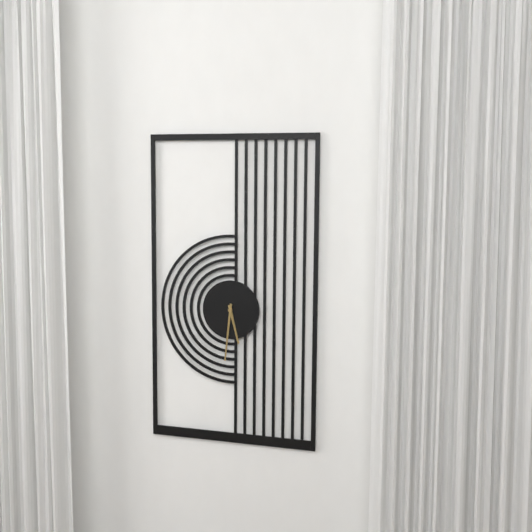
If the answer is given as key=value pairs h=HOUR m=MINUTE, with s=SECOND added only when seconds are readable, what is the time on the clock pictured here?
h=5 m=31
